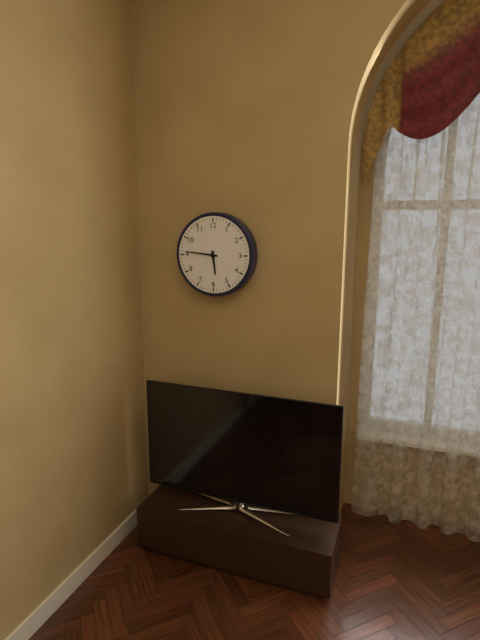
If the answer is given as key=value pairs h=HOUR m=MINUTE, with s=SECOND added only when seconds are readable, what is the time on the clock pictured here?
h=5 m=46
